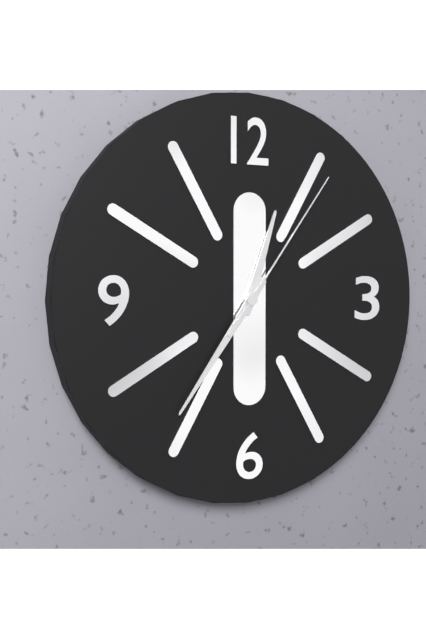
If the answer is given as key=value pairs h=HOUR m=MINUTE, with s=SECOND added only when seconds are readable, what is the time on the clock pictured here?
h=12 m=36 s=6
